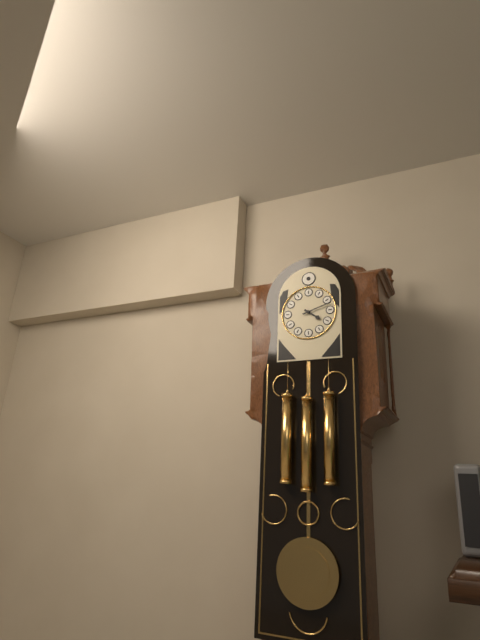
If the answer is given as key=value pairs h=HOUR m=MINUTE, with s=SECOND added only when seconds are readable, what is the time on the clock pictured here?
h=4 m=12
